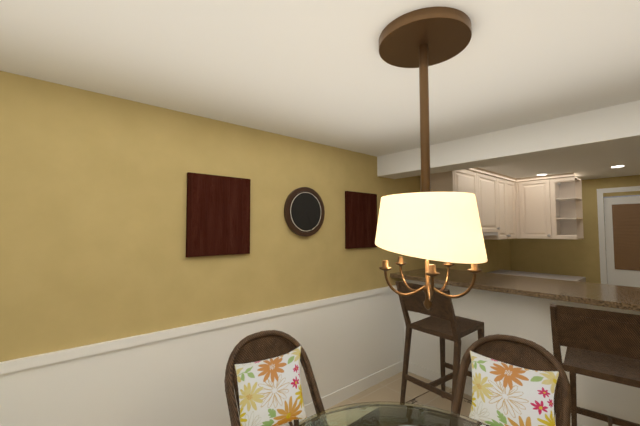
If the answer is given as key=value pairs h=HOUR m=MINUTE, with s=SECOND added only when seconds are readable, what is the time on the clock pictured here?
h=7 m=26
